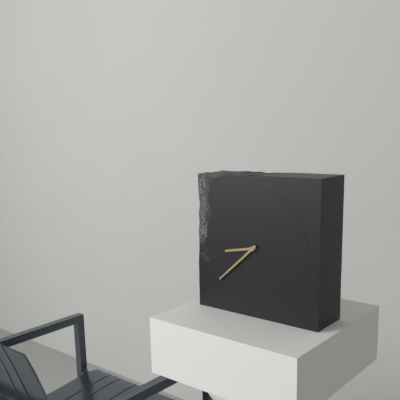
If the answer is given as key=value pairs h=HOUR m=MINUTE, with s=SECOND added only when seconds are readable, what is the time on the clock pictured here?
h=8 m=38
